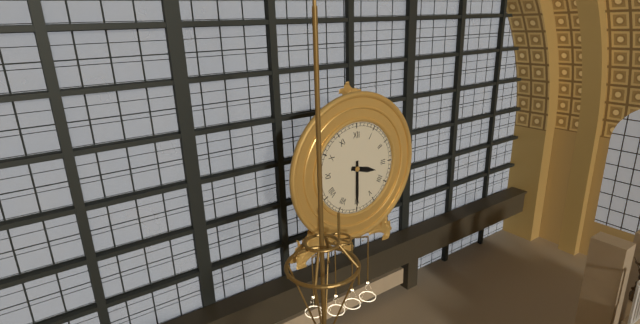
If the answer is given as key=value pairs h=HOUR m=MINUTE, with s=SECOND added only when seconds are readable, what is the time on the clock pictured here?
h=3 m=30
